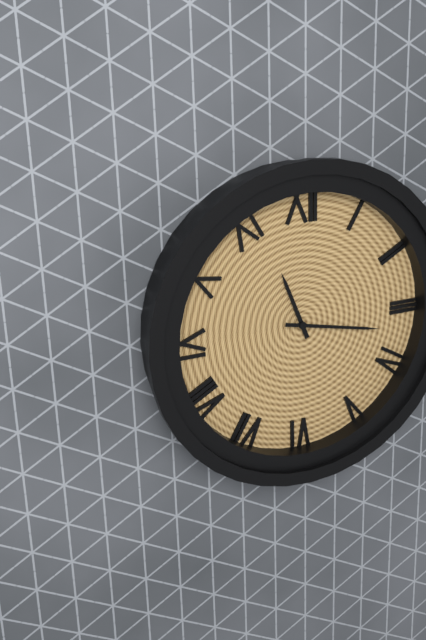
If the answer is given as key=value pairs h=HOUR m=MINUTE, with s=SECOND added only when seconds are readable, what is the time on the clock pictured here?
h=11 m=17
